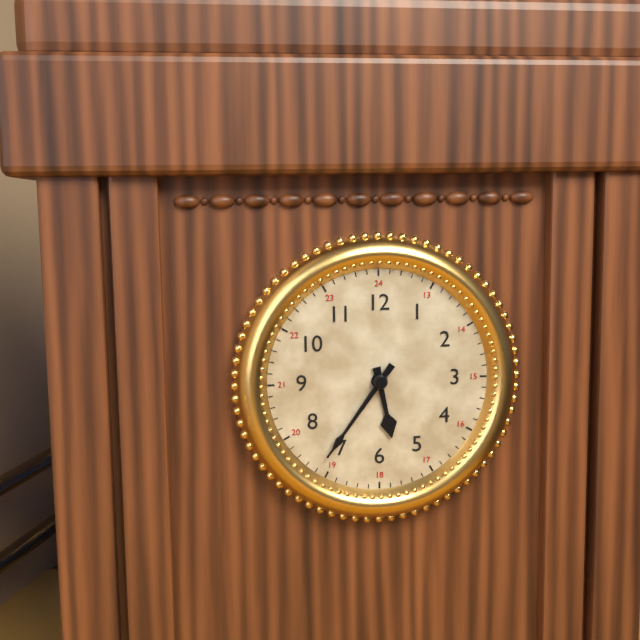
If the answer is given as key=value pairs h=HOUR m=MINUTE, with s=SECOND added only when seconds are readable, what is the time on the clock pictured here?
h=5 m=36
